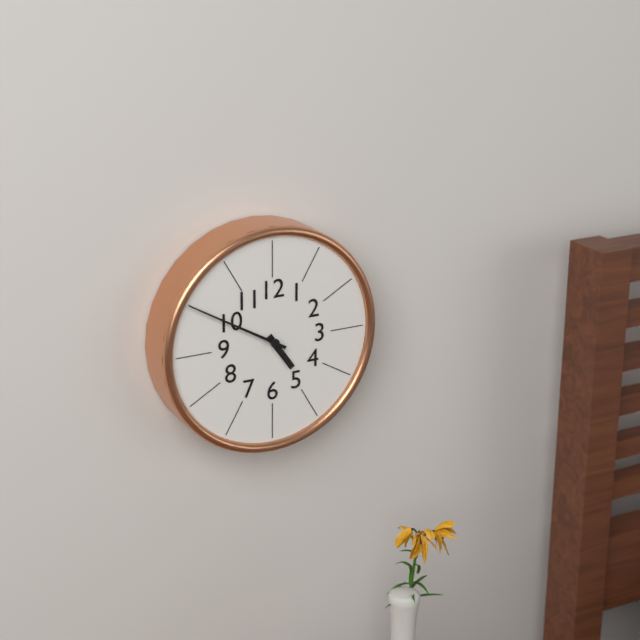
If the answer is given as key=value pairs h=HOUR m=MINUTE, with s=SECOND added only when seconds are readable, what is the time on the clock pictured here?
h=4 m=50
